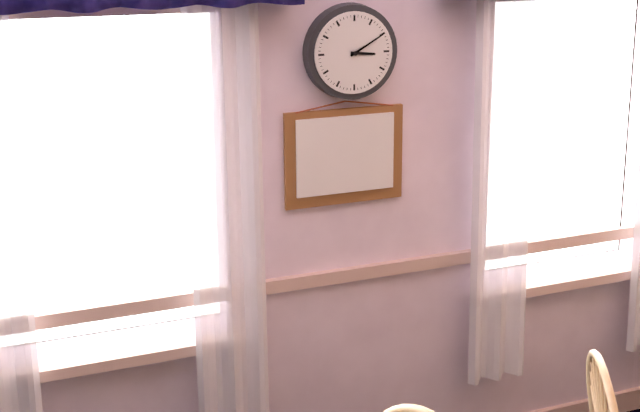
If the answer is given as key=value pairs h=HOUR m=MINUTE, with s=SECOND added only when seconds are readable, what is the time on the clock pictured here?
h=3 m=10
